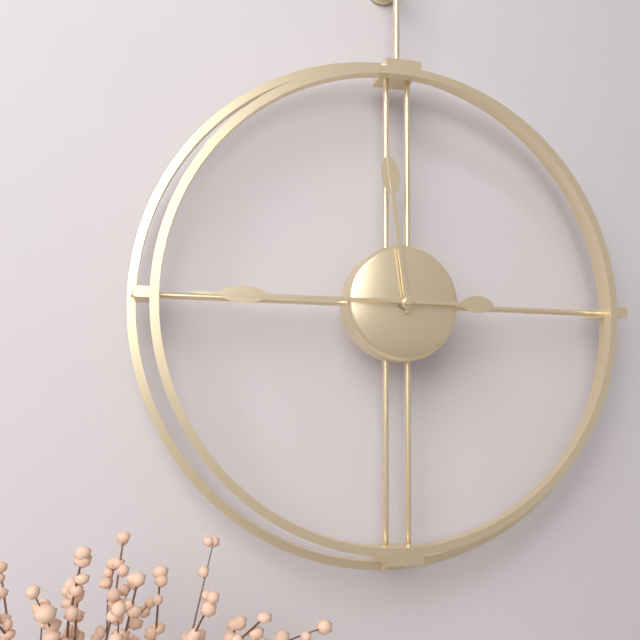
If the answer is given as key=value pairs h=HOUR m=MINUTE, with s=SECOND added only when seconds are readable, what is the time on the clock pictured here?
h=11 m=45
